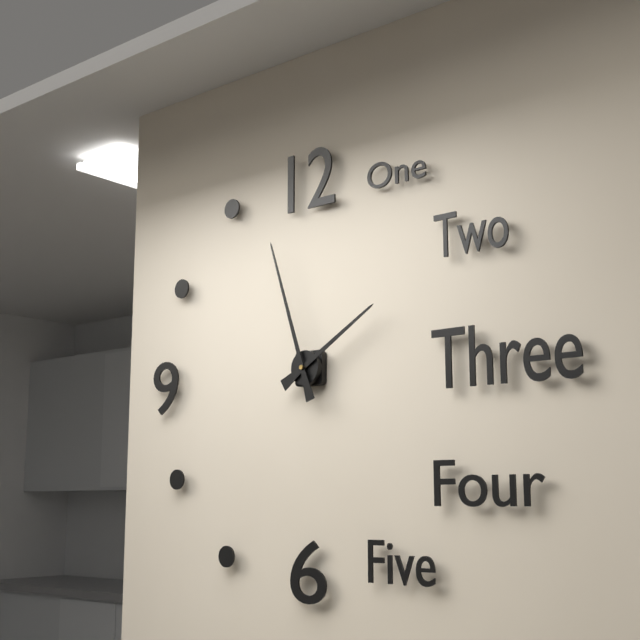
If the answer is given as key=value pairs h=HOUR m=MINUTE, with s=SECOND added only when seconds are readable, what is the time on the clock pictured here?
h=1 m=57
